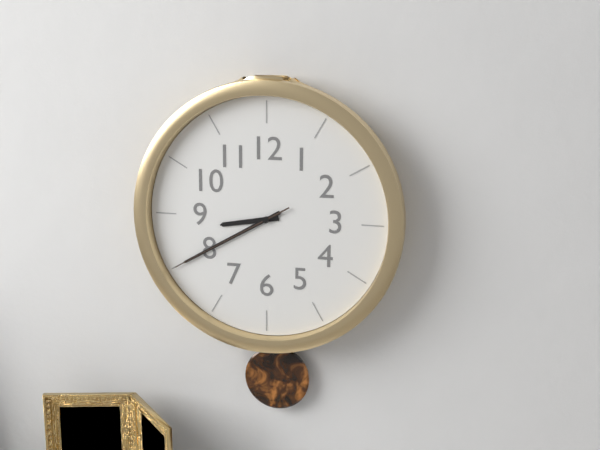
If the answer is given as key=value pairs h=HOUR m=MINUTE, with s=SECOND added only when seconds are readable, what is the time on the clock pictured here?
h=8 m=40 s=40
